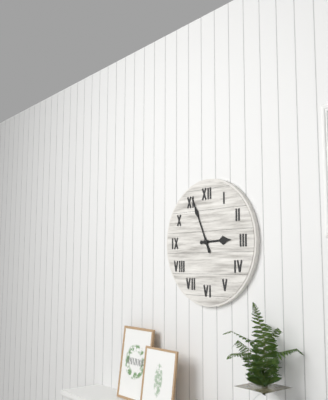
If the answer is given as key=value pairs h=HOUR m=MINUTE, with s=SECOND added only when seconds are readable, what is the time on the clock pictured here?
h=2 m=56
